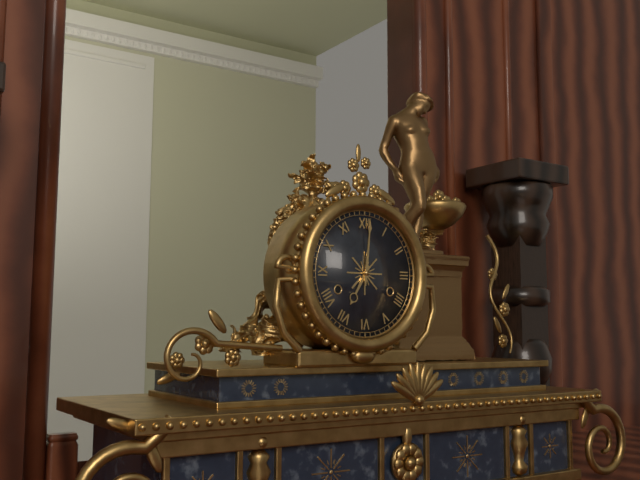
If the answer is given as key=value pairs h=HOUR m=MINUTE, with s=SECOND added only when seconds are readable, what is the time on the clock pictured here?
h=7 m=1
